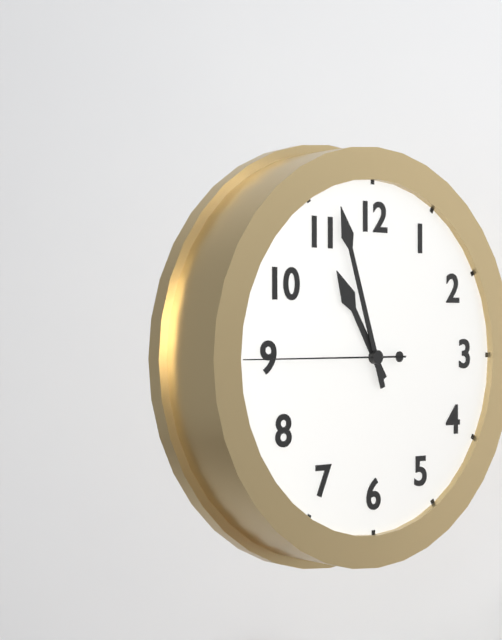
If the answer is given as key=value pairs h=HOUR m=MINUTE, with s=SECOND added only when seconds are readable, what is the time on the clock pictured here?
h=10 m=57 s=45
